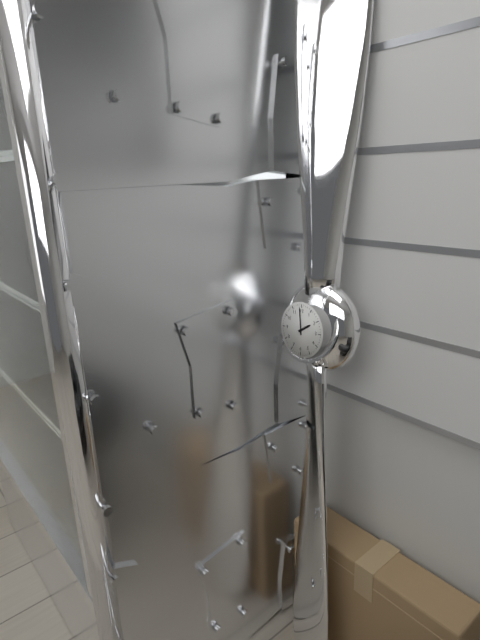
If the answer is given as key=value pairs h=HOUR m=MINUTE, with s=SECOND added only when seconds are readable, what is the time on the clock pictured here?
h=1 m=59
